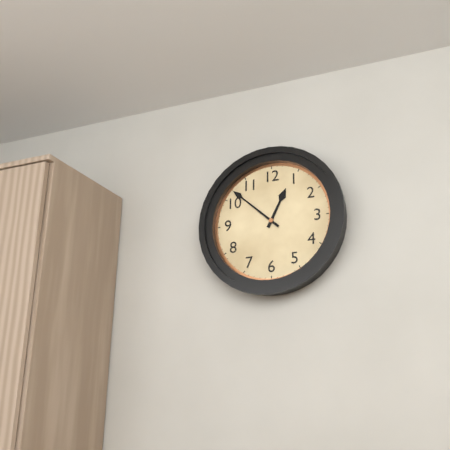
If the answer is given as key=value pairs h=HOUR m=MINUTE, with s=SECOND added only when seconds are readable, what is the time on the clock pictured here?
h=12 m=52
